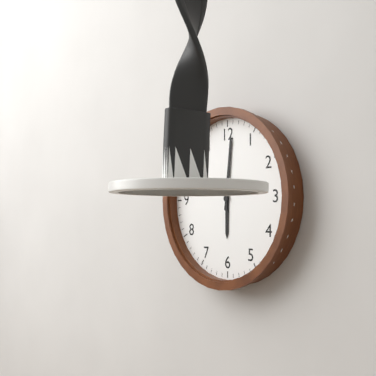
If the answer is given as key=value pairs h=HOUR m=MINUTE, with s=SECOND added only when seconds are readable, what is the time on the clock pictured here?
h=6 m=1
